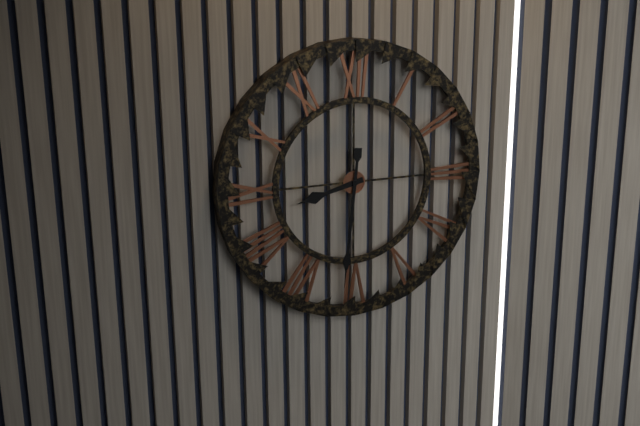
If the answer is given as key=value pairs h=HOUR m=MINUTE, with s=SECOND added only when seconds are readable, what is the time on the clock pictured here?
h=8 m=31
